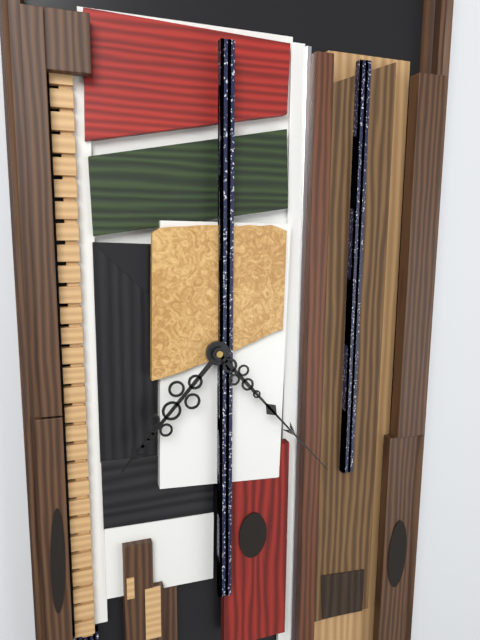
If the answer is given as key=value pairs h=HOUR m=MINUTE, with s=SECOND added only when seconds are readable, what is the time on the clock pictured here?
h=7 m=23
